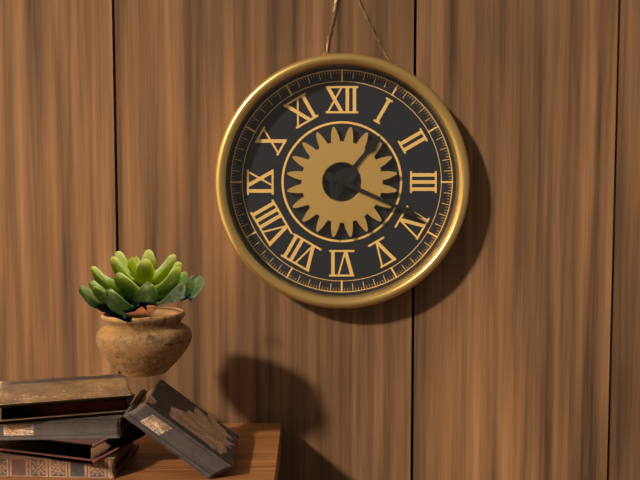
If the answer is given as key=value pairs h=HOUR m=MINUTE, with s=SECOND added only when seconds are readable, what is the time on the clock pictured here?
h=1 m=19
